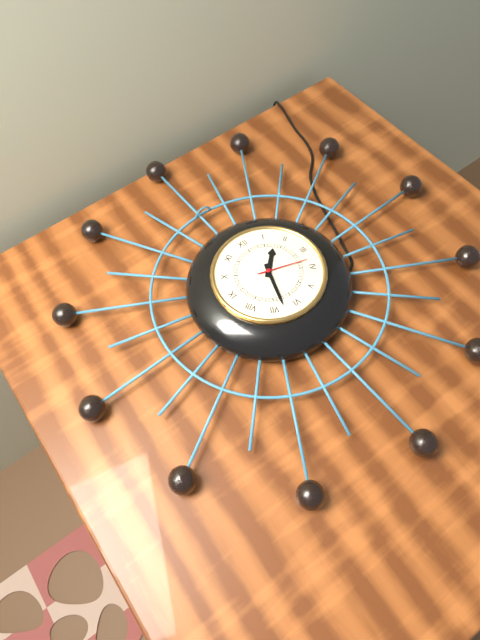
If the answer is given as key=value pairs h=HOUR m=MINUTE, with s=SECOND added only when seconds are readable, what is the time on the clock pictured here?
h=1 m=33 s=18
